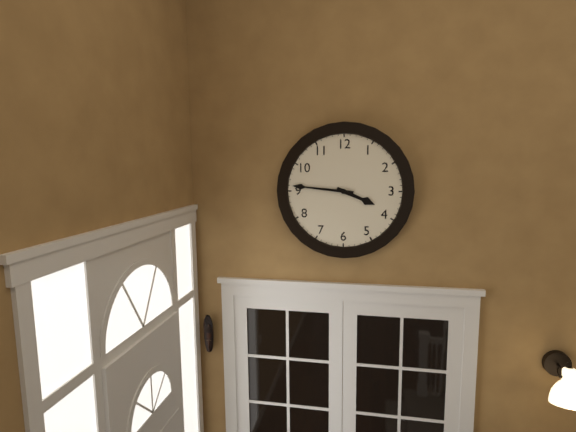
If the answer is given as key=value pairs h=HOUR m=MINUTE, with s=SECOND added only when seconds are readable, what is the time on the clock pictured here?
h=3 m=46
